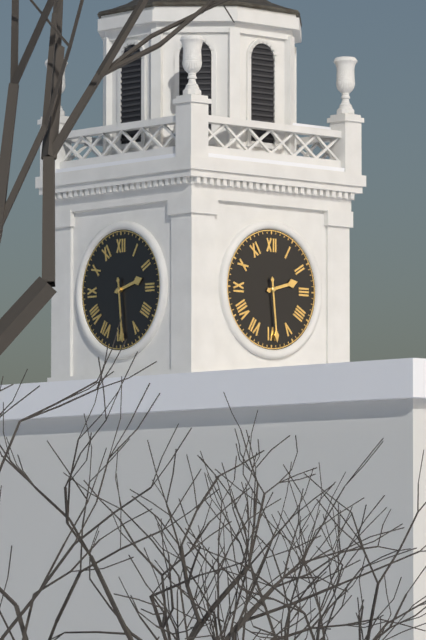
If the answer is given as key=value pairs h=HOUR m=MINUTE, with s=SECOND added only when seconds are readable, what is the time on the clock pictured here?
h=2 m=29
